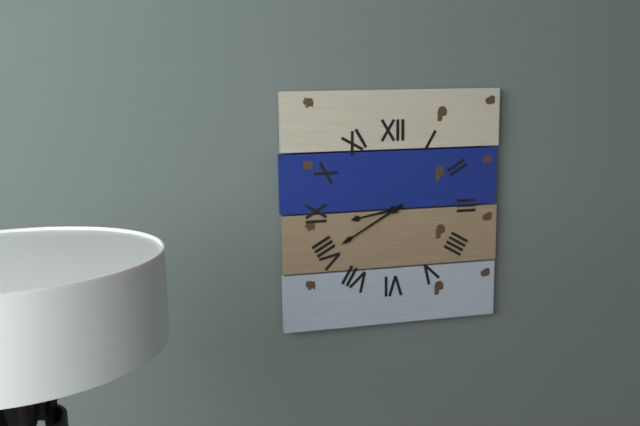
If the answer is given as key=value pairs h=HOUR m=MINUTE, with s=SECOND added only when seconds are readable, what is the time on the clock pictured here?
h=8 m=40
